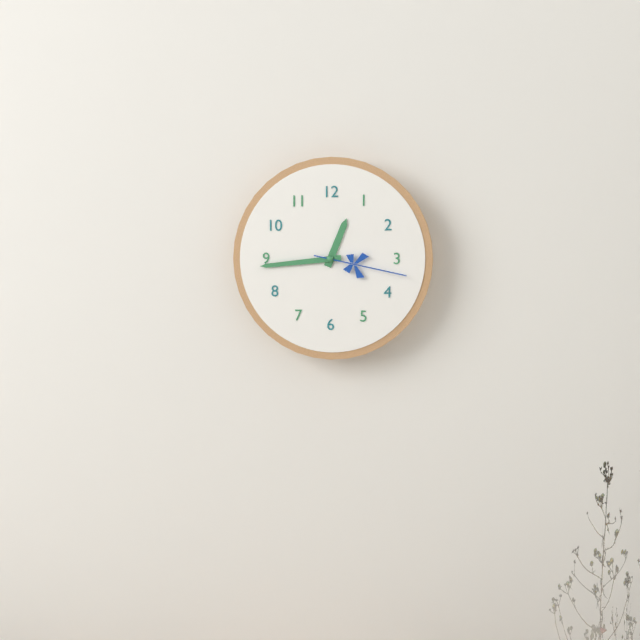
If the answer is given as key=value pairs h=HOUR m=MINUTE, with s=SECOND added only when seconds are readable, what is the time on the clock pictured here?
h=12 m=44 s=17
